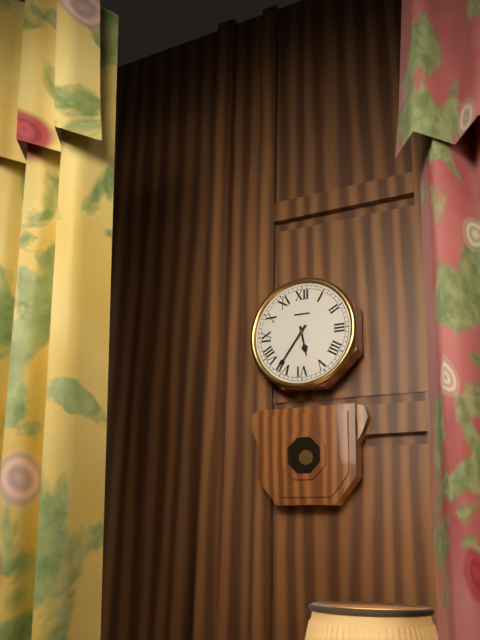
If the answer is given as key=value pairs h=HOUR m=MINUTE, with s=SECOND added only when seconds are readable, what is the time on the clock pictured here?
h=5 m=36
